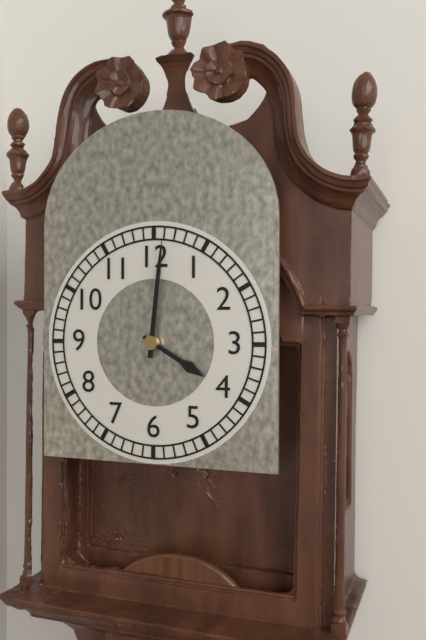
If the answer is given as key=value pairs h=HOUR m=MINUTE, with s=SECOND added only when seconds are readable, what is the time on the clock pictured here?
h=4 m=1
